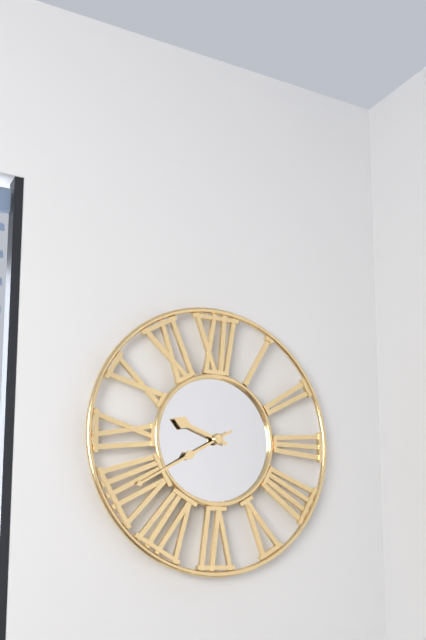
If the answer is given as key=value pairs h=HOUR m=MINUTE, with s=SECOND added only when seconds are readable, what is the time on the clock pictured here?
h=9 m=40
